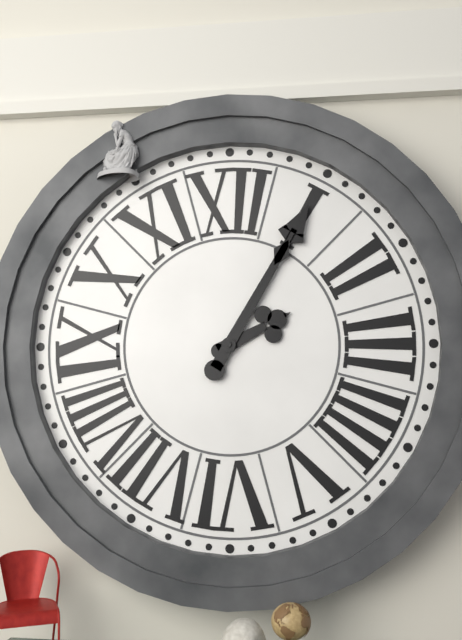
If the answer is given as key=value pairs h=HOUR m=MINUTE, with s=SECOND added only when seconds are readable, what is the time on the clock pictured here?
h=2 m=5
